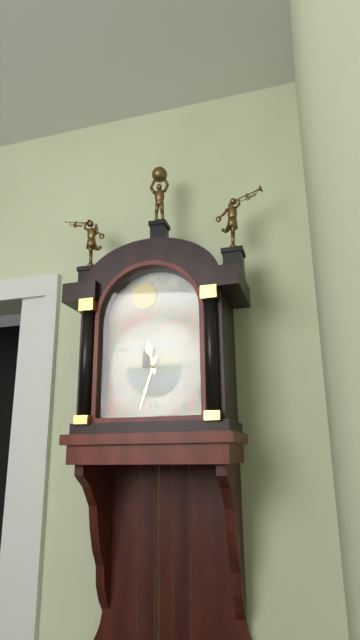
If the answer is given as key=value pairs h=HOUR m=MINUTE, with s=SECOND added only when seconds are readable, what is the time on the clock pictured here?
h=11 m=33
